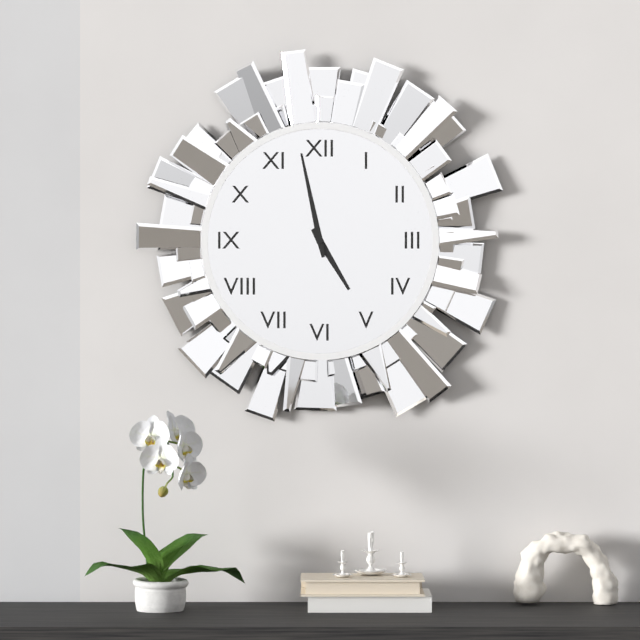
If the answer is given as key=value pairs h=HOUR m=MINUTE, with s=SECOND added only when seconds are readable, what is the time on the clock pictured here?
h=4 m=58
